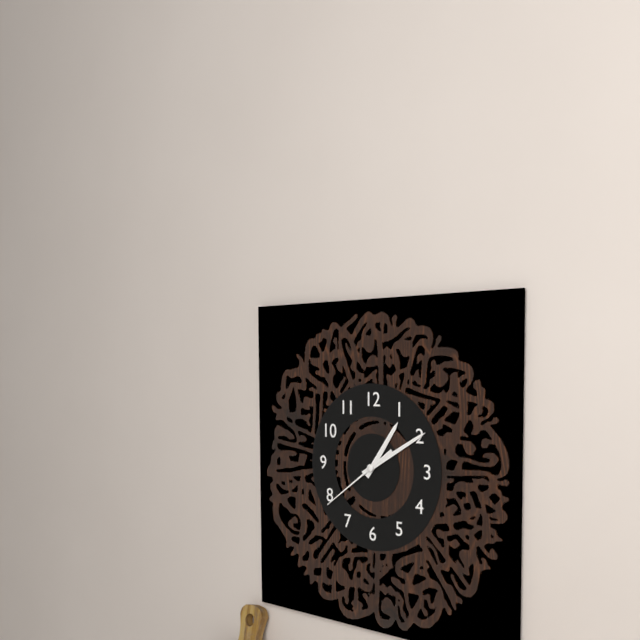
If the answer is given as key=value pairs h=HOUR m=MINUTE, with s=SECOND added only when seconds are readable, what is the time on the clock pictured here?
h=1 m=10 s=39
